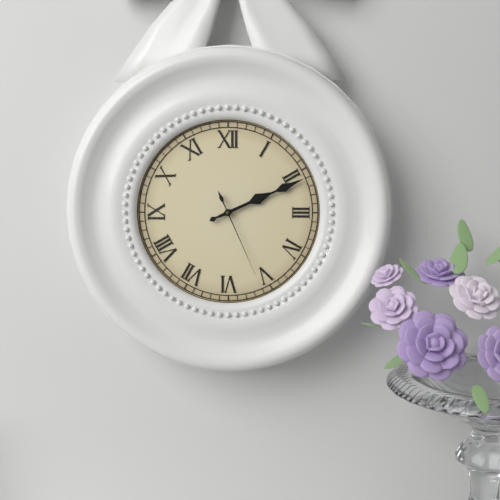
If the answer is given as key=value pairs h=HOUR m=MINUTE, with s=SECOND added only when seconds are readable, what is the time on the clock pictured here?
h=2 m=11 s=26
